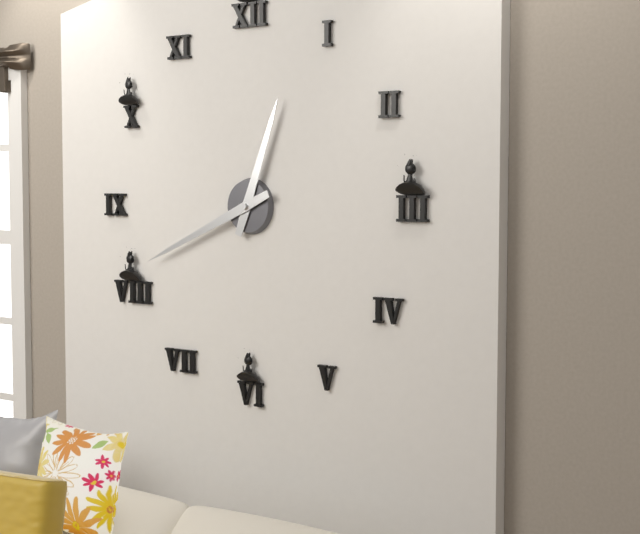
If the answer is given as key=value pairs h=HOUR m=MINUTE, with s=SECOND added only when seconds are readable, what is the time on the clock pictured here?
h=12 m=41
